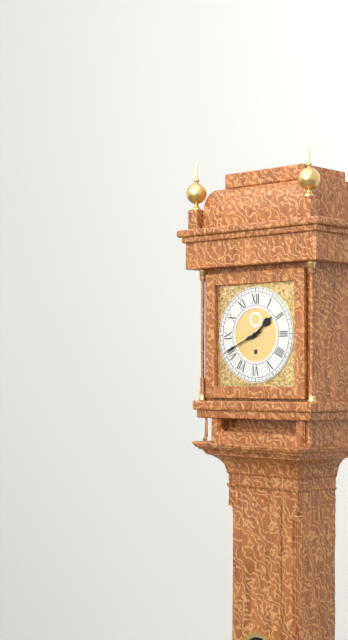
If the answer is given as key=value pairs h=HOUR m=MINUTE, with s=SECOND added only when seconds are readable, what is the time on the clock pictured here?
h=1 m=41
